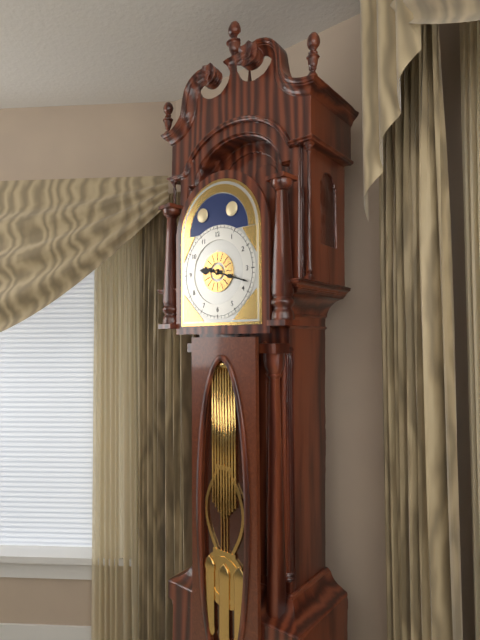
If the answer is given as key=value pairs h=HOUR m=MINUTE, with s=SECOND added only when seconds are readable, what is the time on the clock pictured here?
h=9 m=18
